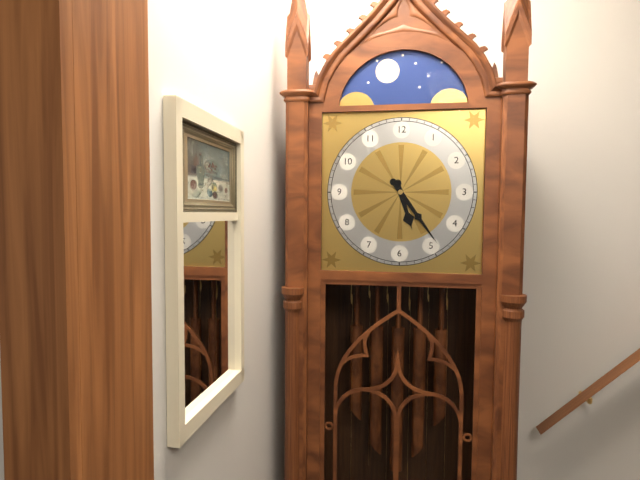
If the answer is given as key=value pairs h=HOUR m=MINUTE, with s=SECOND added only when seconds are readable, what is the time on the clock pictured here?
h=5 m=24
